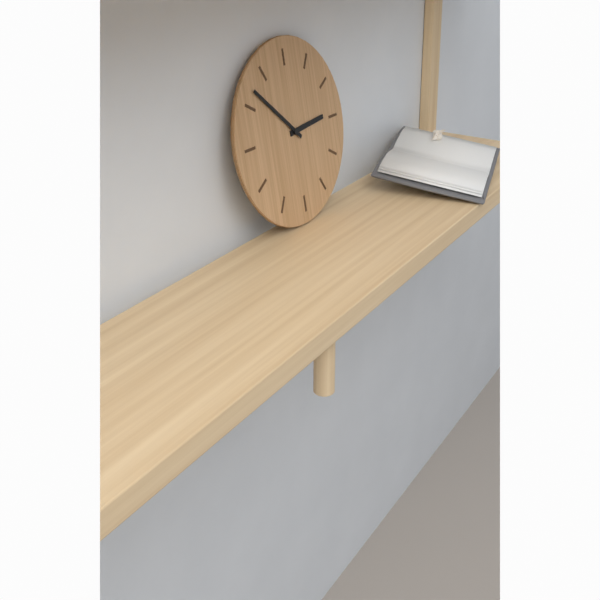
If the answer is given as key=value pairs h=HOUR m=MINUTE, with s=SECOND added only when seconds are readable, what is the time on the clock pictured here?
h=2 m=52
